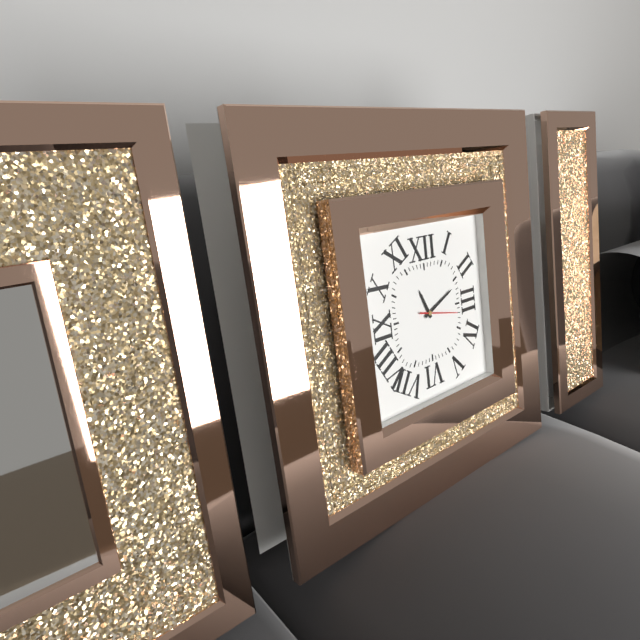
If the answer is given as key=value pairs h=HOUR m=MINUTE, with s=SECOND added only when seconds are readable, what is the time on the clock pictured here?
h=11 m=11
